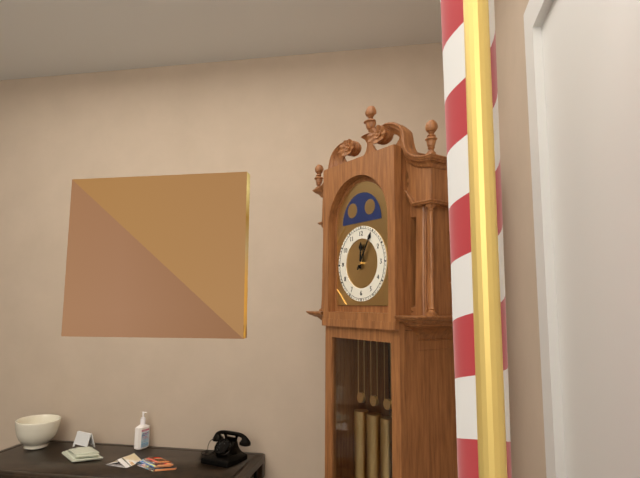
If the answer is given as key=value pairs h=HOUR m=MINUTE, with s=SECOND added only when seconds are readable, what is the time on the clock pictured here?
h=12 m=5
